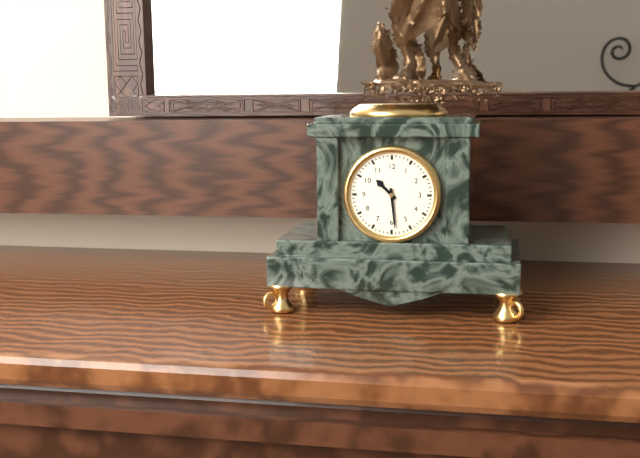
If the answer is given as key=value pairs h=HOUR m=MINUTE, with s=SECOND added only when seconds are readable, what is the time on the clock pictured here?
h=10 m=29
